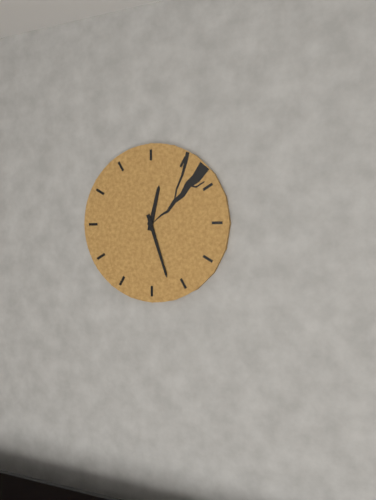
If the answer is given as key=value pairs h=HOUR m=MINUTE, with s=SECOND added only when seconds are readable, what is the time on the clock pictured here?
h=12 m=27
